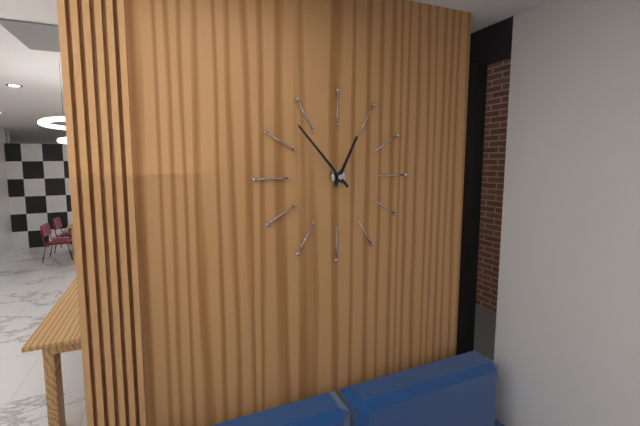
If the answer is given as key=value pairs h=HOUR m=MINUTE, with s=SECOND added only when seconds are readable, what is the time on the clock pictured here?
h=12 m=53
